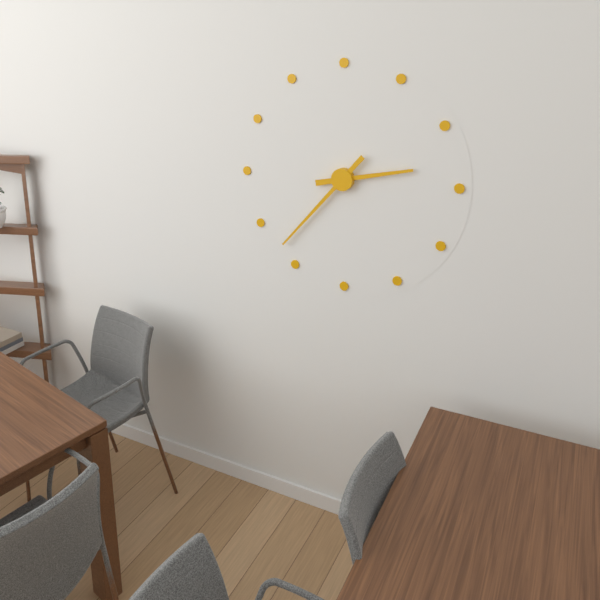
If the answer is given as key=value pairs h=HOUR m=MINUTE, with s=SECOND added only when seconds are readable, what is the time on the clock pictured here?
h=2 m=37
